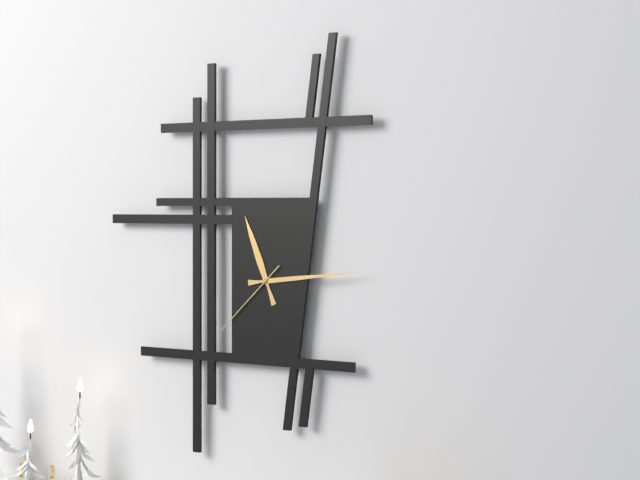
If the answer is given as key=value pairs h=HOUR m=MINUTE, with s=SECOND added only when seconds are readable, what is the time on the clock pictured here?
h=11 m=14 s=38
